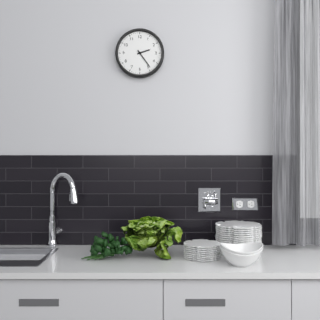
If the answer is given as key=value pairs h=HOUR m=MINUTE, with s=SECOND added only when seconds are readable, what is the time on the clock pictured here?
h=2 m=24
